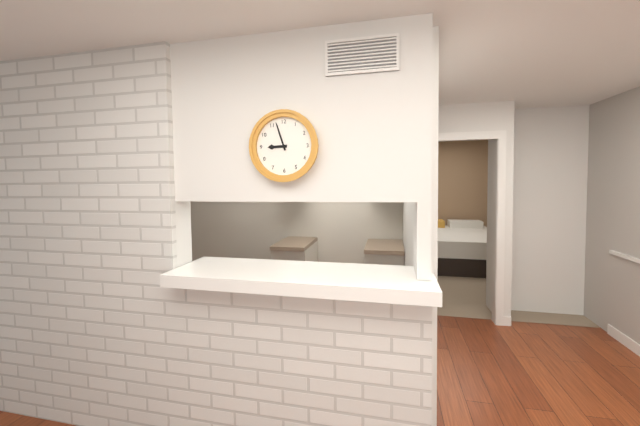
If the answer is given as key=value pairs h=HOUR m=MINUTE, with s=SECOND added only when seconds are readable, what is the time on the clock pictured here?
h=8 m=57
